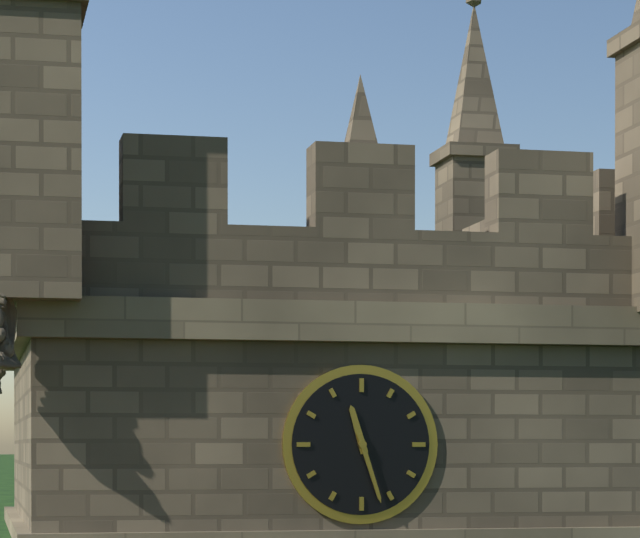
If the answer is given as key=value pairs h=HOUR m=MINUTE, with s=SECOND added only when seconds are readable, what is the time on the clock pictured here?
h=11 m=27
